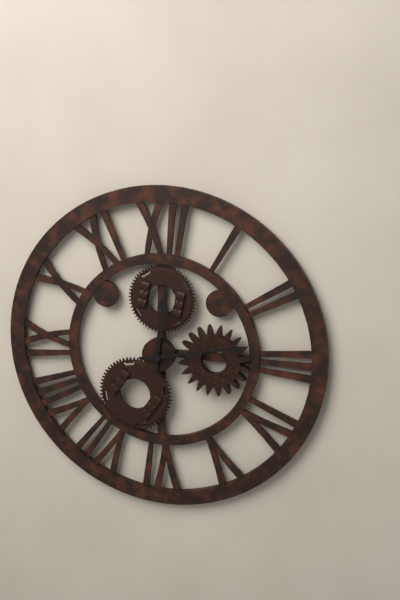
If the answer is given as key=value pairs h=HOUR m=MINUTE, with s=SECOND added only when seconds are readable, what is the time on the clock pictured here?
h=12 m=13
